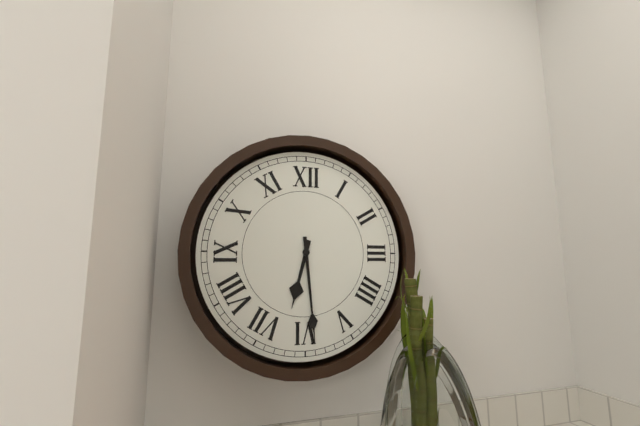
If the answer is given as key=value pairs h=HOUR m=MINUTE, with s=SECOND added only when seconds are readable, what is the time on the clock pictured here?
h=6 m=29
